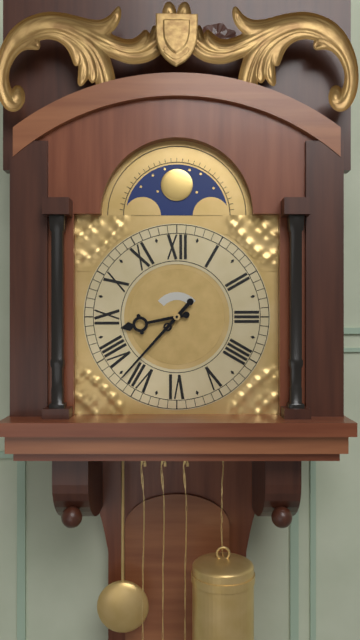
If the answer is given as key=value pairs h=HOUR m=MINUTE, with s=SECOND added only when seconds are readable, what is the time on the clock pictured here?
h=8 m=37
